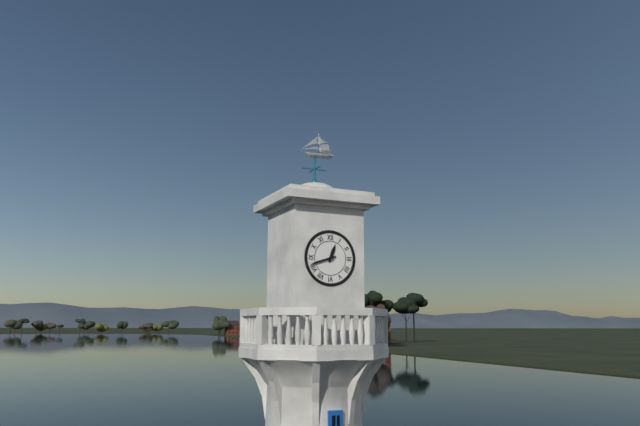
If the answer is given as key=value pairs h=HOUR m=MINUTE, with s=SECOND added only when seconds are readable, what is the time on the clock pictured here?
h=12 m=42
